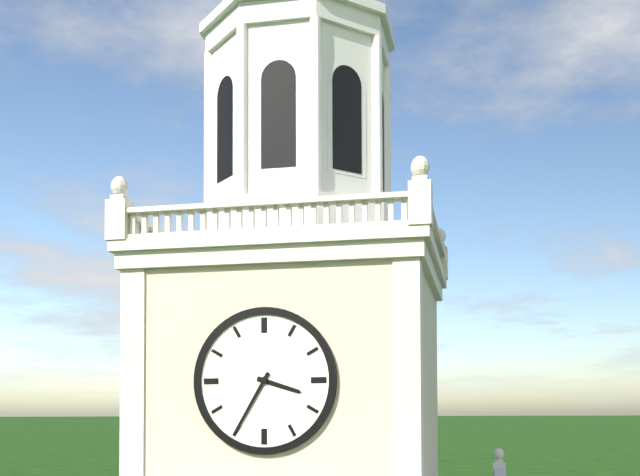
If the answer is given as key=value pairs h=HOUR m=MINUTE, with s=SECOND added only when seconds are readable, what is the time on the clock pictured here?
h=3 m=35
